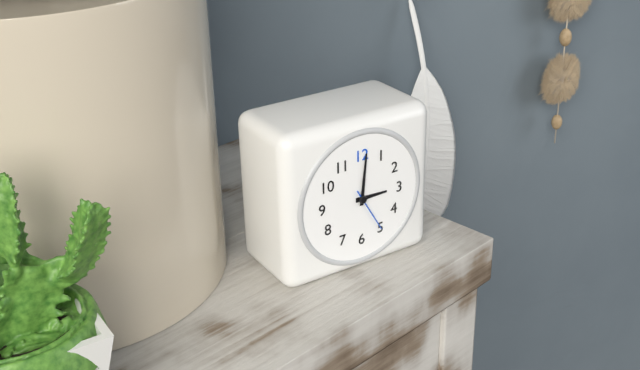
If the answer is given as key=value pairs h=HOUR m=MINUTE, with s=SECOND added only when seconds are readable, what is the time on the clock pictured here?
h=3 m=1
